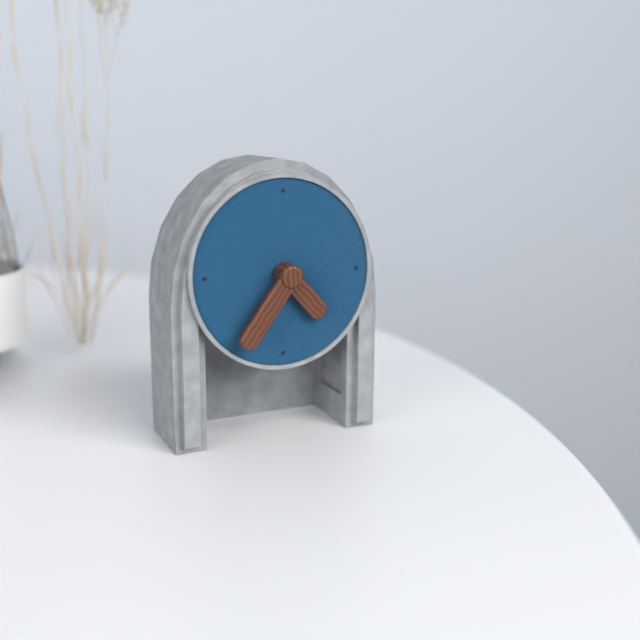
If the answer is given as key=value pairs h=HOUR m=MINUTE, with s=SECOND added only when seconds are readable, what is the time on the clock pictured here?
h=4 m=36
